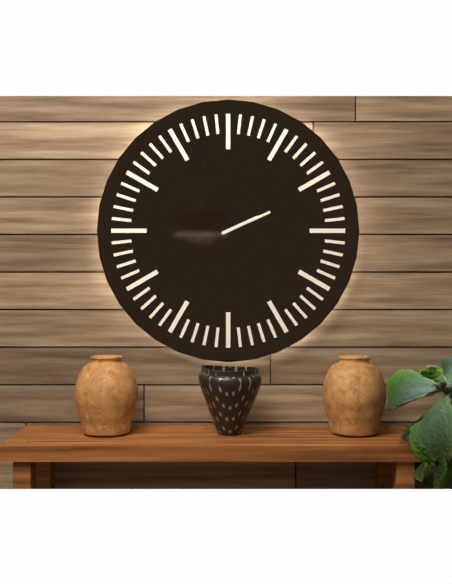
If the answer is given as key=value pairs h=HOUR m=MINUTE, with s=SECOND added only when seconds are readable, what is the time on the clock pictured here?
h=2 m=11
